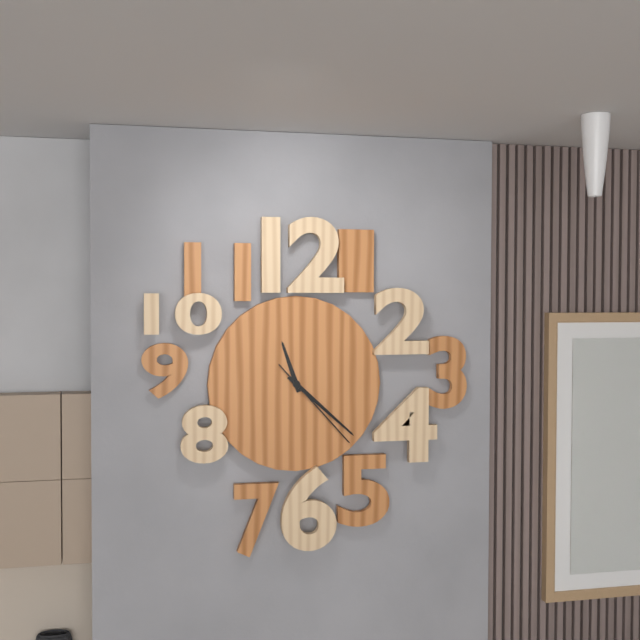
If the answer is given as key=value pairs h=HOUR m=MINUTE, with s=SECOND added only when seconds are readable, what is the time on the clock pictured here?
h=11 m=22 s=23
